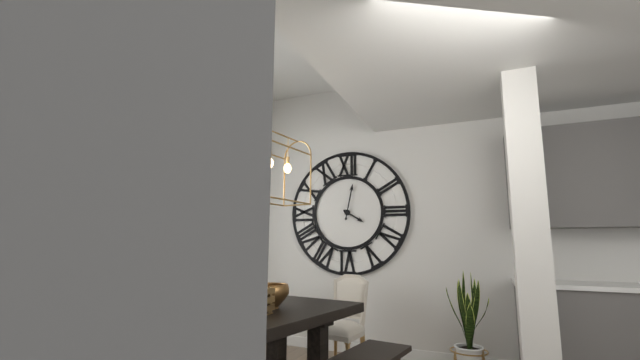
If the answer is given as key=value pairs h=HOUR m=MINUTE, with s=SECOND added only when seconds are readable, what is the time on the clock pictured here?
h=4 m=2
